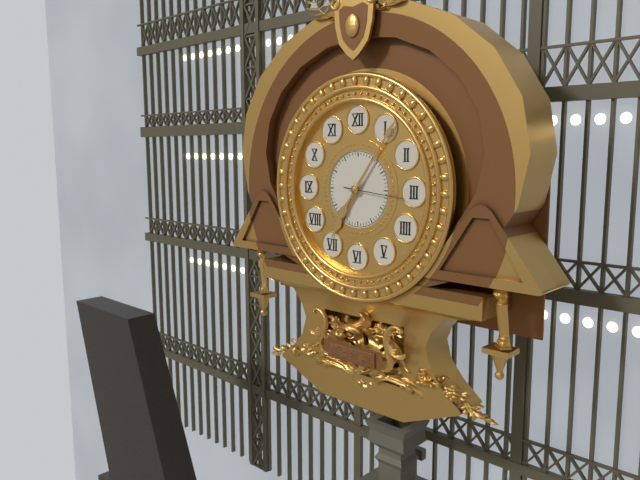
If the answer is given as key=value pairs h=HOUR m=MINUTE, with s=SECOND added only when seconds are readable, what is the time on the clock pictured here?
h=7 m=6 s=16
